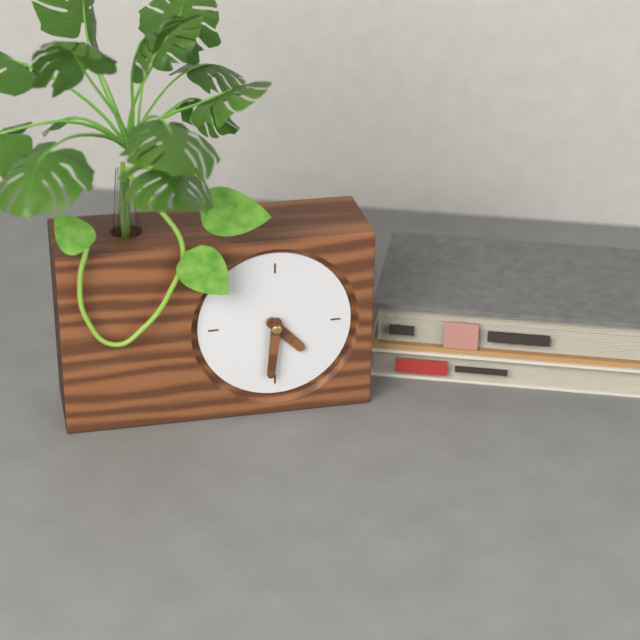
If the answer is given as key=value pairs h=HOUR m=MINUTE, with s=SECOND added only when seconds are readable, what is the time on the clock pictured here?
h=4 m=31
